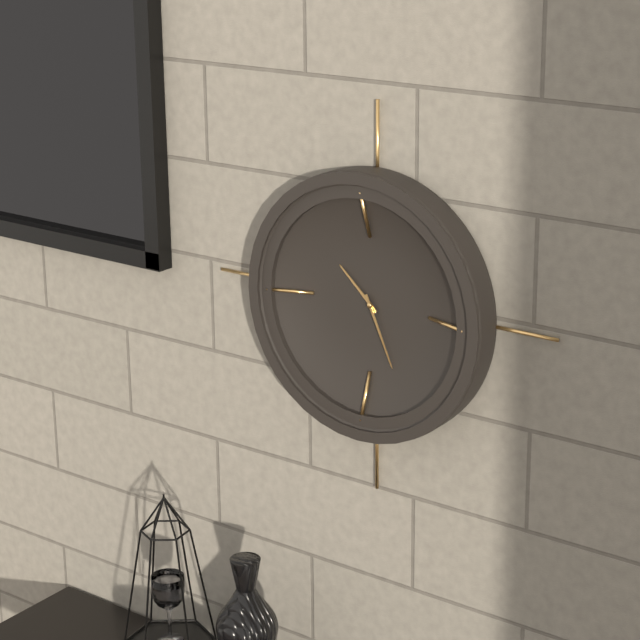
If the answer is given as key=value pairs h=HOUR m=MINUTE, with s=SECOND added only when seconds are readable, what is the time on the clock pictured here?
h=10 m=26
